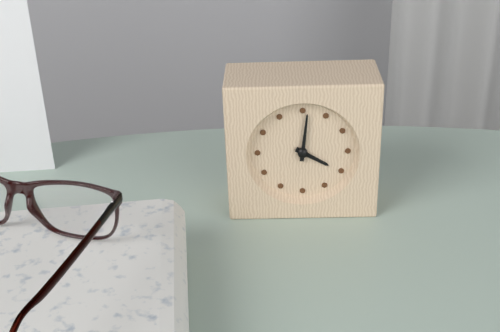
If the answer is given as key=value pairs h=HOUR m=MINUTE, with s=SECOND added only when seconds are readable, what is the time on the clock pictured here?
h=4 m=1
